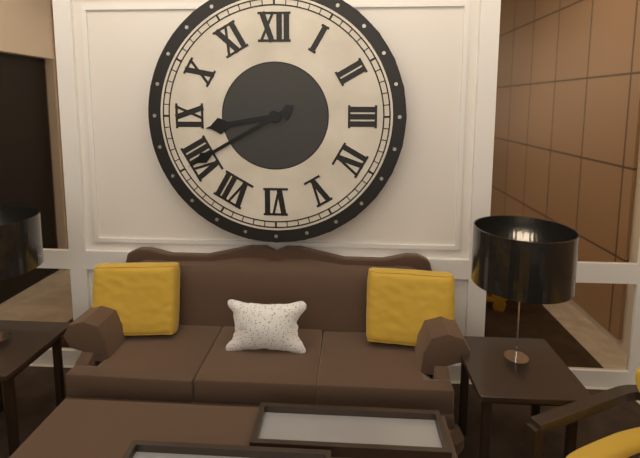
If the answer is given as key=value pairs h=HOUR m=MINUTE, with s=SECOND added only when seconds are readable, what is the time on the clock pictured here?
h=8 m=40
